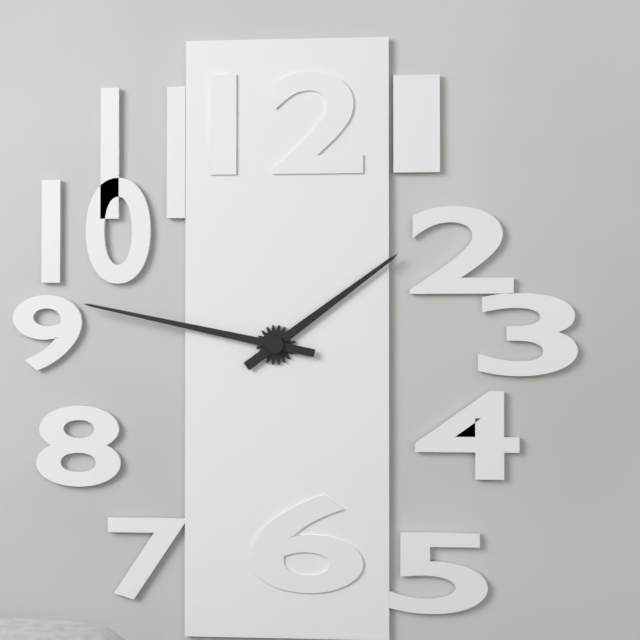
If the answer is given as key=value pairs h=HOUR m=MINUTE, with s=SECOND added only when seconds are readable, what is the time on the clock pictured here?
h=1 m=47
